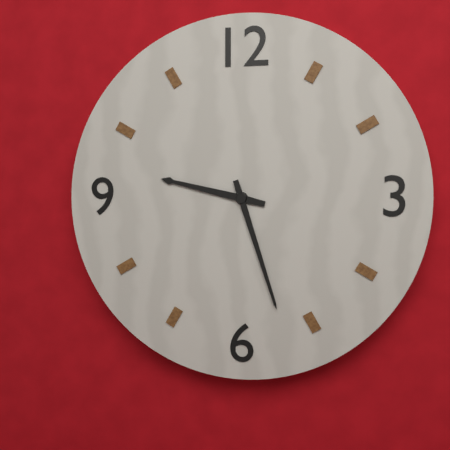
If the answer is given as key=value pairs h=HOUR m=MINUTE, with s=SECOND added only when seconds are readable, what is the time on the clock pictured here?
h=9 m=27
